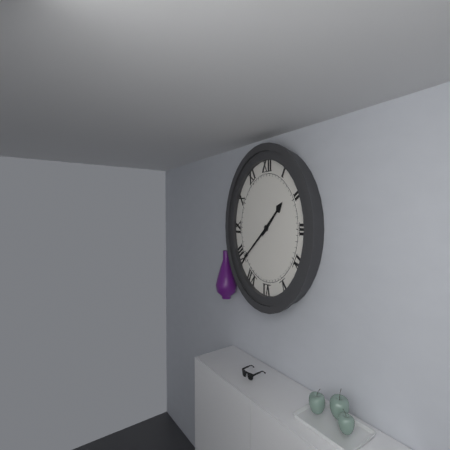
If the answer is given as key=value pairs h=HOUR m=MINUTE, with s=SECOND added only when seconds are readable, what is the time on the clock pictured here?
h=1 m=39
